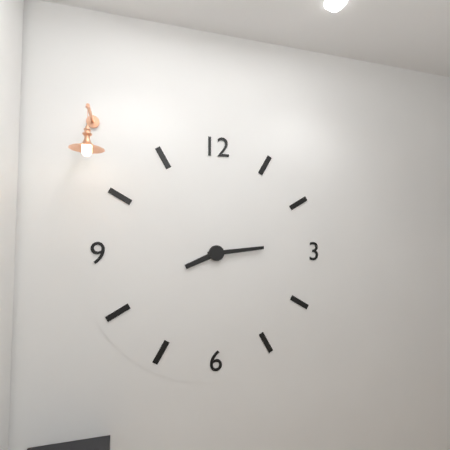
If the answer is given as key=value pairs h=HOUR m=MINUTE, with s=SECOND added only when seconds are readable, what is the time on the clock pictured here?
h=8 m=14
